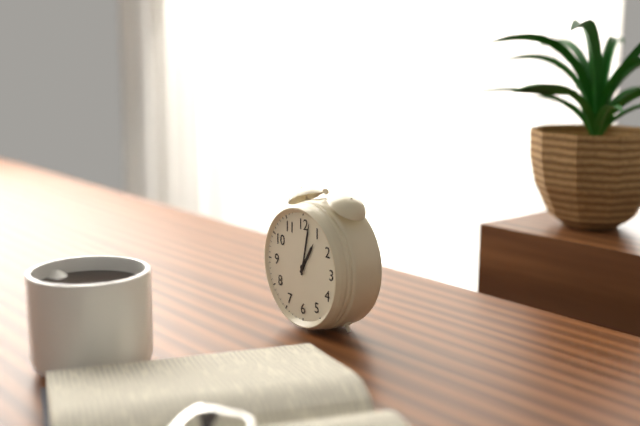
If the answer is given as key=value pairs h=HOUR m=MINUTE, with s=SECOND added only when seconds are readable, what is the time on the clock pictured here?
h=1 m=2
